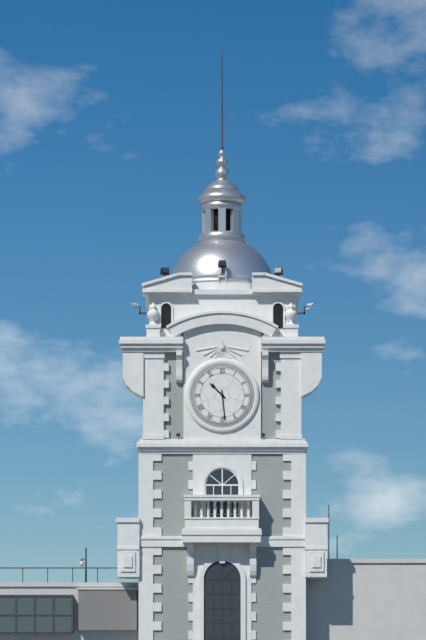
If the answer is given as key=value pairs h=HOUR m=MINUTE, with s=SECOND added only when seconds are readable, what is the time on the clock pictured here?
h=10 m=29
